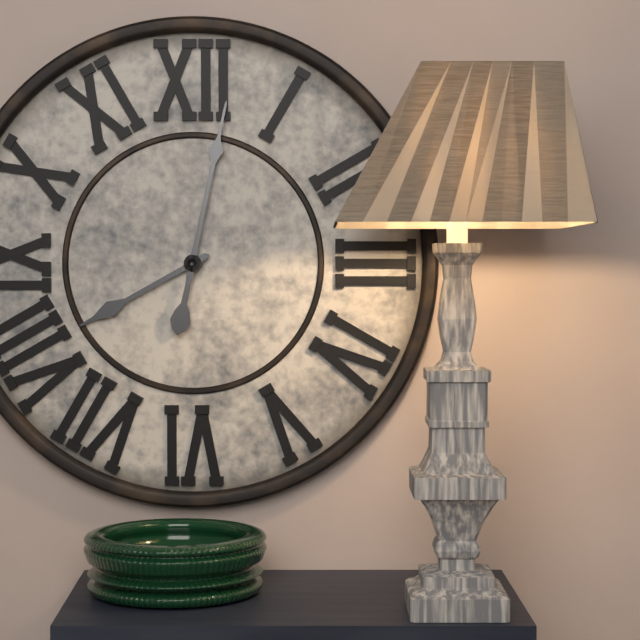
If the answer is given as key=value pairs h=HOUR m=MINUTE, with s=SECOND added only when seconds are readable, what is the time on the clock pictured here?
h=8 m=2
